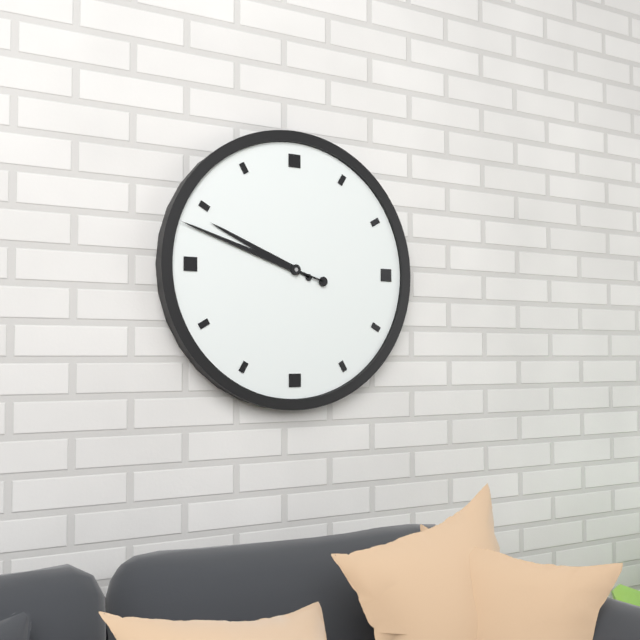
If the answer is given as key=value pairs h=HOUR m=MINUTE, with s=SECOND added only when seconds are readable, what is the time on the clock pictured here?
h=9 m=48
